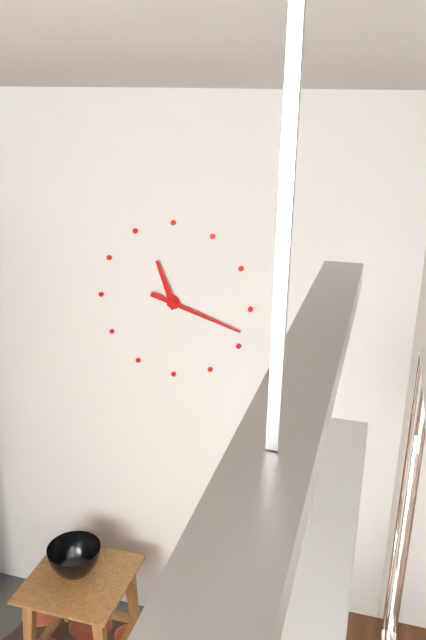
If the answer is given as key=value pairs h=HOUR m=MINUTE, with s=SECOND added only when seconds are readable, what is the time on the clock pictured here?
h=11 m=18
